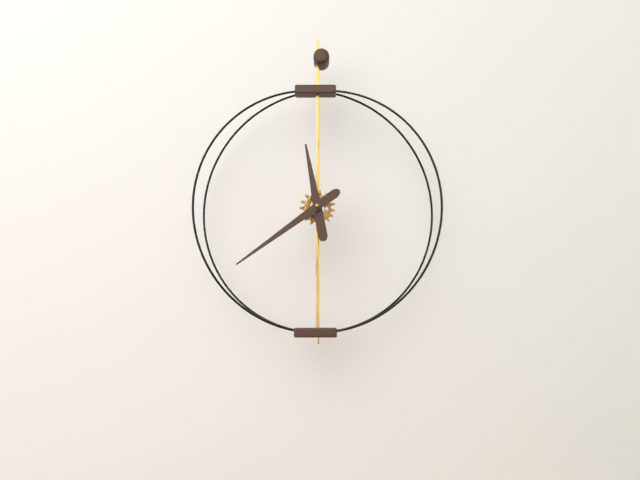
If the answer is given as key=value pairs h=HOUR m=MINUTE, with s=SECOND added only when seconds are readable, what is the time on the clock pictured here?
h=11 m=39
